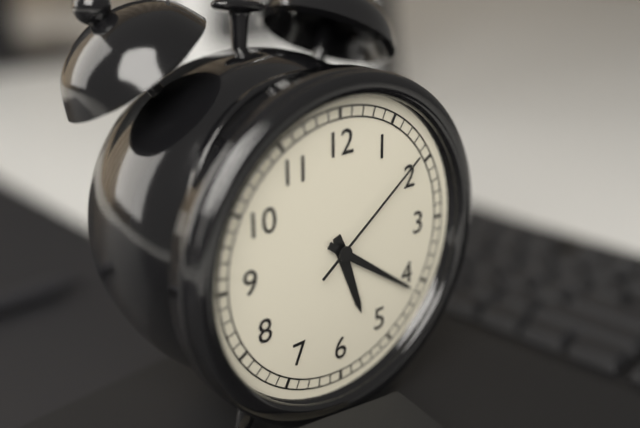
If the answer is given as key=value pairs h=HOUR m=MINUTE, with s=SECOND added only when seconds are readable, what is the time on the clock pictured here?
h=5 m=21 s=9
